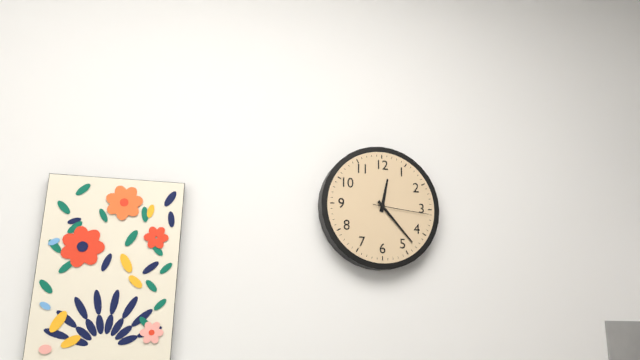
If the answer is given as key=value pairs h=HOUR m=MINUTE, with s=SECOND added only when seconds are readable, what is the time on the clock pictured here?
h=12 m=23 s=16
